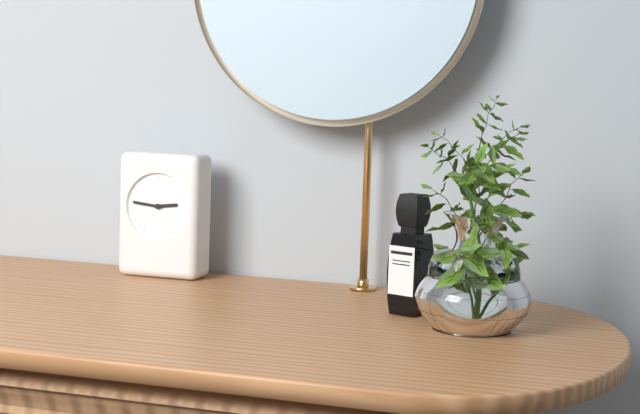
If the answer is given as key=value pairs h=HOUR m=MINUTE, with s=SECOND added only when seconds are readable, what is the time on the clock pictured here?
h=2 m=46
